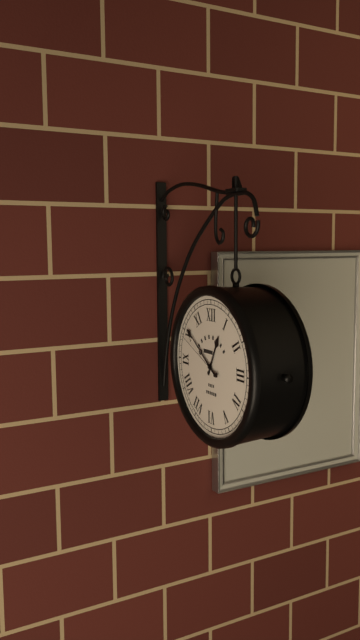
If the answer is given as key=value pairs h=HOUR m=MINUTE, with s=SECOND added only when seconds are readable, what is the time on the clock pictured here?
h=12 m=51 s=49
